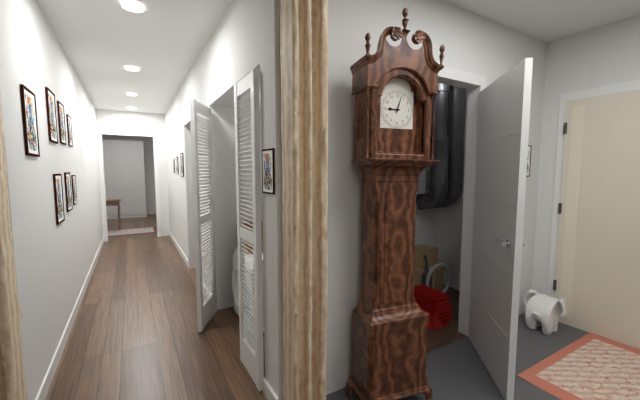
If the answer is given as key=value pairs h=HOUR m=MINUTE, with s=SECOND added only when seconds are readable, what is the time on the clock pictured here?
h=9 m=3
